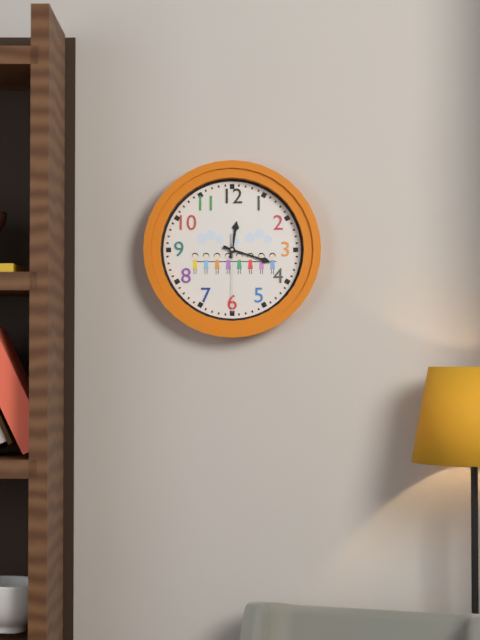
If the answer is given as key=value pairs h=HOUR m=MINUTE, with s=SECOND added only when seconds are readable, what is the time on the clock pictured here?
h=12 m=18 s=30
